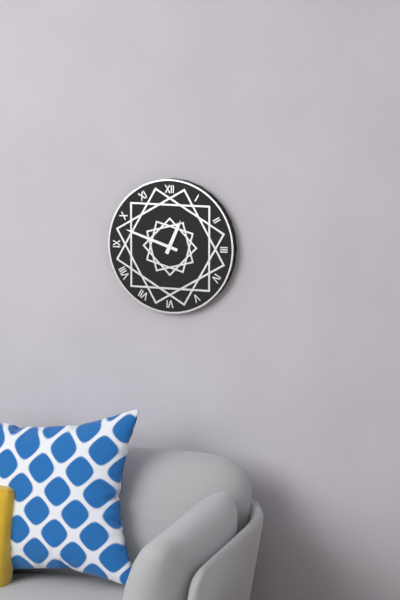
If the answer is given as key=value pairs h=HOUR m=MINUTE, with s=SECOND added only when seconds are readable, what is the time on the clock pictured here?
h=12 m=48
